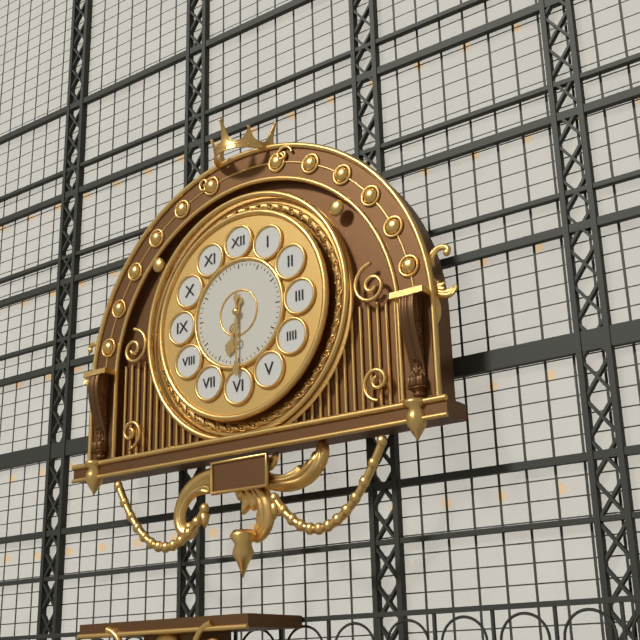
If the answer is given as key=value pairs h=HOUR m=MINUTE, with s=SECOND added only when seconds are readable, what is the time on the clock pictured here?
h=6 m=30
